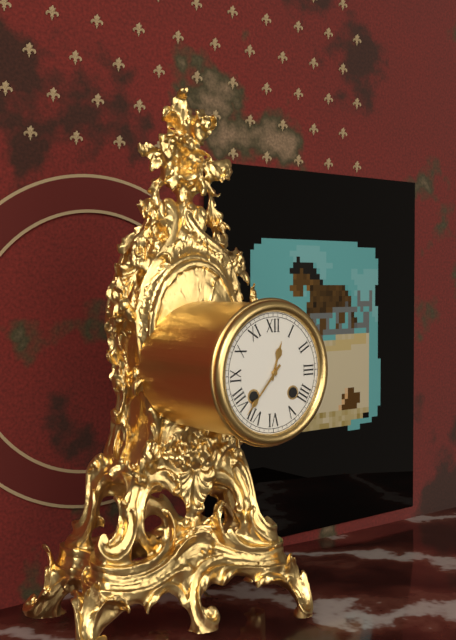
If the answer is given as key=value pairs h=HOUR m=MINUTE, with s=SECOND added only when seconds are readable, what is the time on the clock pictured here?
h=12 m=37
